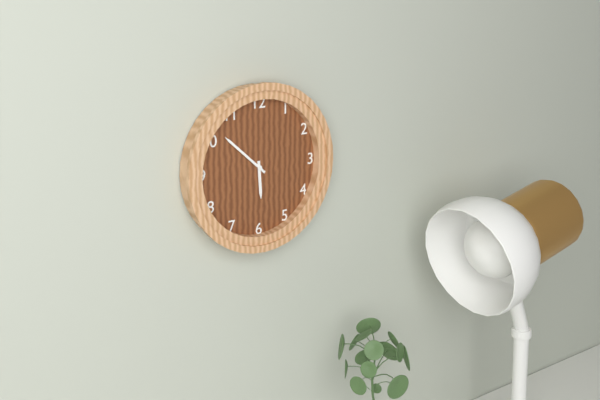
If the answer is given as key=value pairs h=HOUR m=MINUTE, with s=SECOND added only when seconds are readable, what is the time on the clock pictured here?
h=5 m=52
